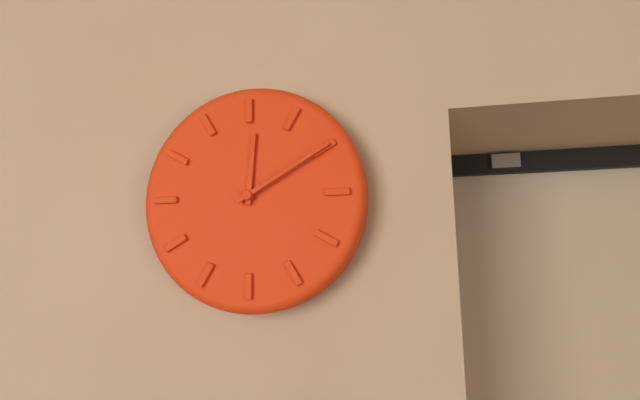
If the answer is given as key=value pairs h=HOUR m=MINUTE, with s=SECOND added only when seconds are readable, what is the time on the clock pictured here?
h=12 m=10
